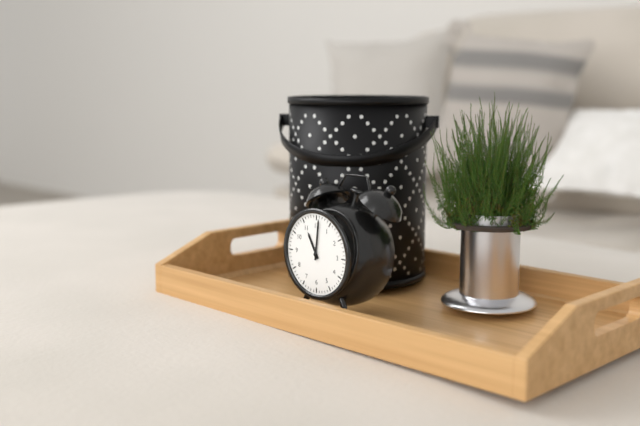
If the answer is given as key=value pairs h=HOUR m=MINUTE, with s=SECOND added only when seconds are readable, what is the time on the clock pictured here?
h=11 m=1
